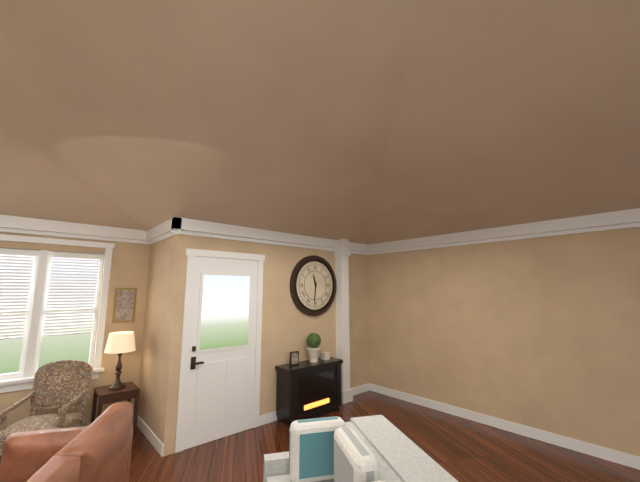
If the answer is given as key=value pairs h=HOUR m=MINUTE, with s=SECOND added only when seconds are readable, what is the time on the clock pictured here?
h=11 m=31
